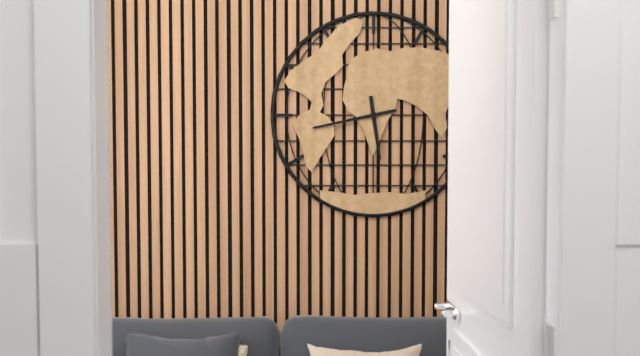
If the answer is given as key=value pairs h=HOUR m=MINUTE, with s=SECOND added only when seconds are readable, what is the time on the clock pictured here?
h=5 m=43
